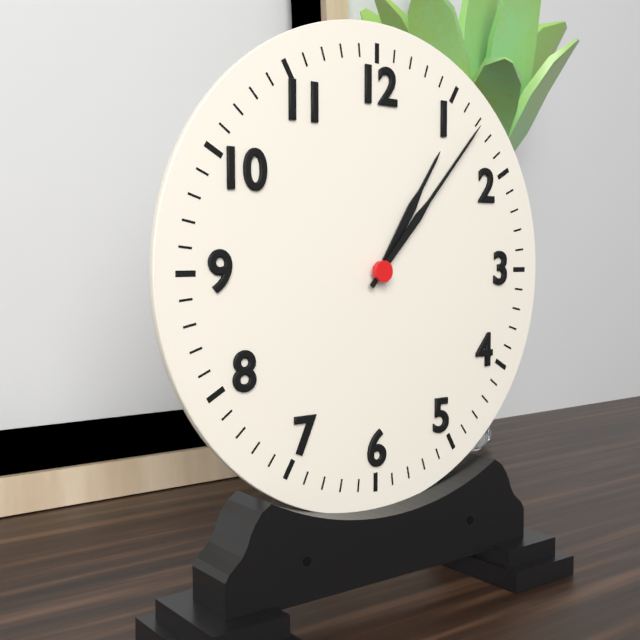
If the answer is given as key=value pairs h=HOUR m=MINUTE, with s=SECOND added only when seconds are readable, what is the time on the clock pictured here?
h=1 m=7
